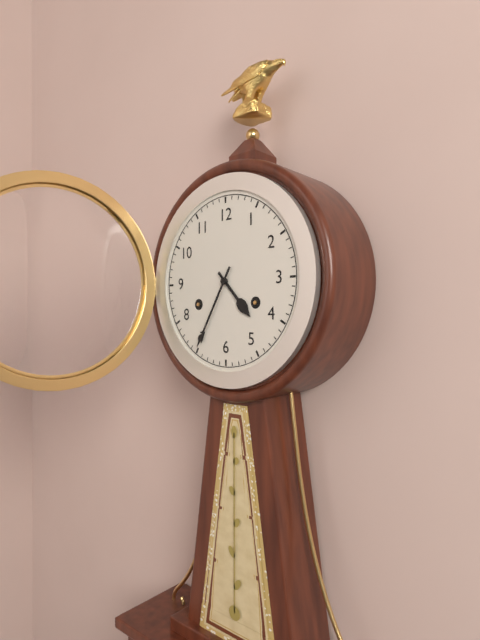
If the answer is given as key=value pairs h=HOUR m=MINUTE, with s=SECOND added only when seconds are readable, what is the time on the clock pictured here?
h=4 m=35
